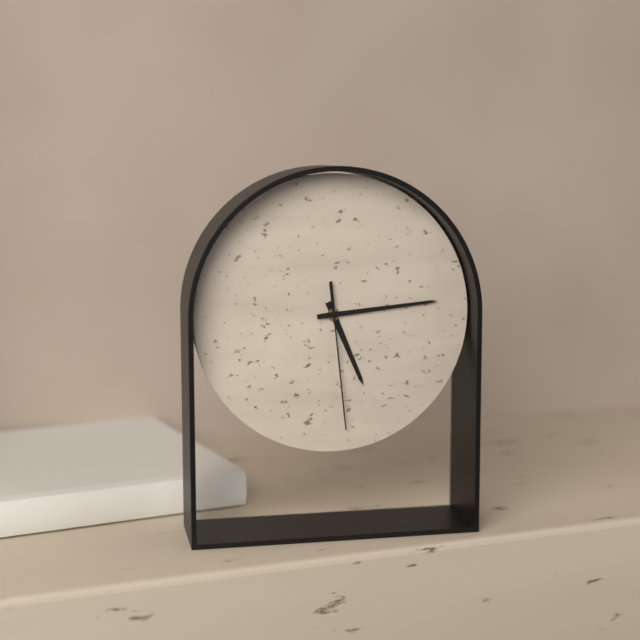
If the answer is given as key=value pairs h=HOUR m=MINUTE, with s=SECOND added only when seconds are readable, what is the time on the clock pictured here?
h=5 m=14 s=29
